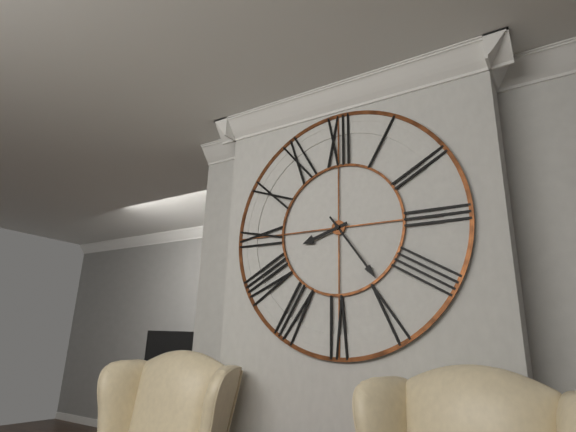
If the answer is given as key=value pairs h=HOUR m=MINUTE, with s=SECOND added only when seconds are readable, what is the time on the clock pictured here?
h=8 m=24
